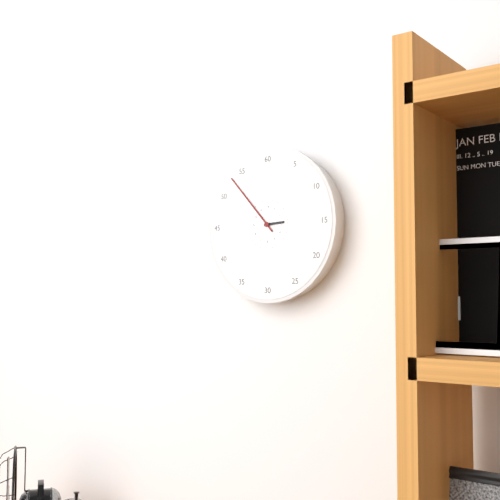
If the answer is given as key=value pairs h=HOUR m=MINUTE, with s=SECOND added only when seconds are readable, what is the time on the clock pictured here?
h=2 m=53
